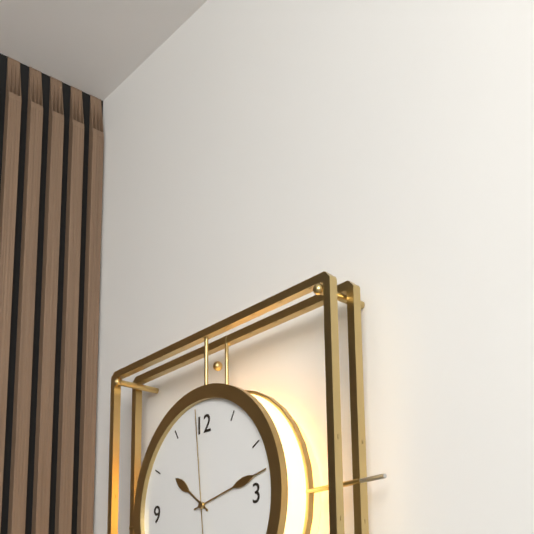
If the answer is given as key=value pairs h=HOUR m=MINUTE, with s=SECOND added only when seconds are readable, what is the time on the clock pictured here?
h=10 m=13 s=59
